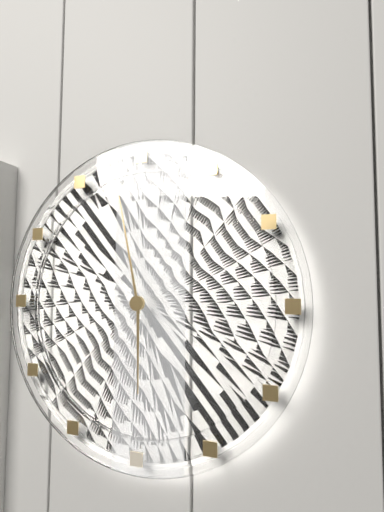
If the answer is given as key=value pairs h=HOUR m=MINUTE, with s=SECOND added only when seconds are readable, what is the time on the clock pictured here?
h=5 m=58
